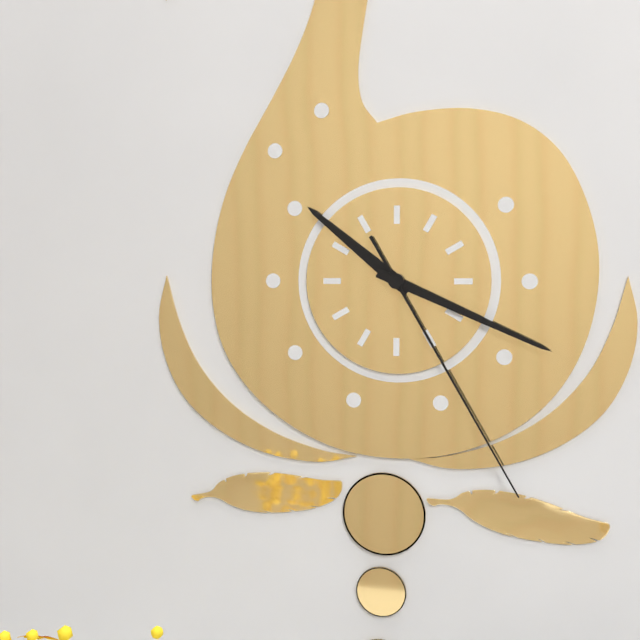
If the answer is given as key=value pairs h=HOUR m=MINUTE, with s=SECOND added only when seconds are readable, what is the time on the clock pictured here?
h=10 m=19 s=25
